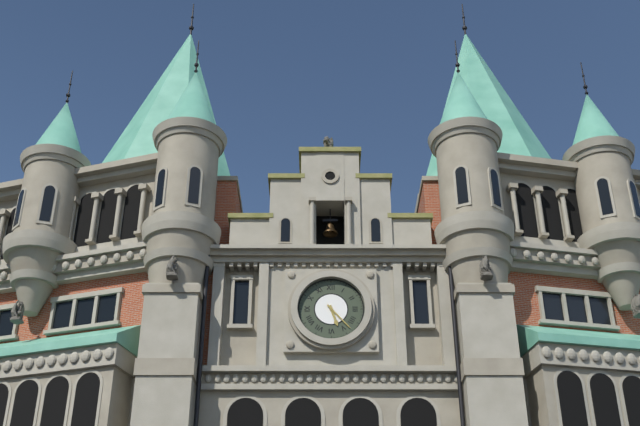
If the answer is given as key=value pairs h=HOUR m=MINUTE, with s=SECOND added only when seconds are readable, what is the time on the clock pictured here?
h=5 m=23
